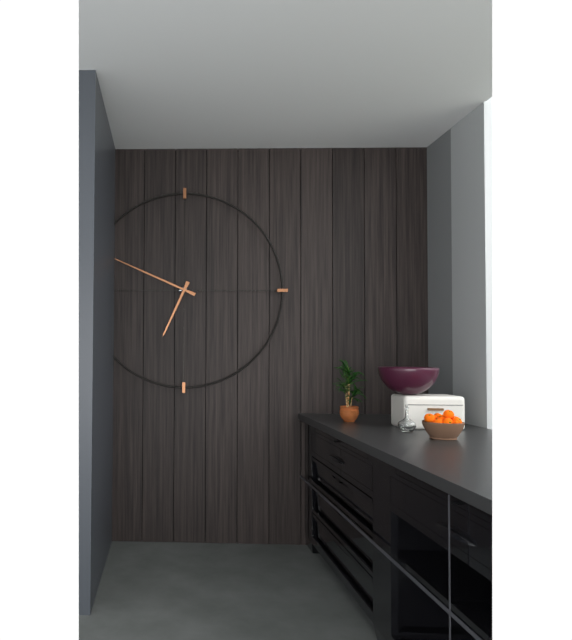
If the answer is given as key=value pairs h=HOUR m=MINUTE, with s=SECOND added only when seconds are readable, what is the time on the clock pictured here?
h=6 m=49
